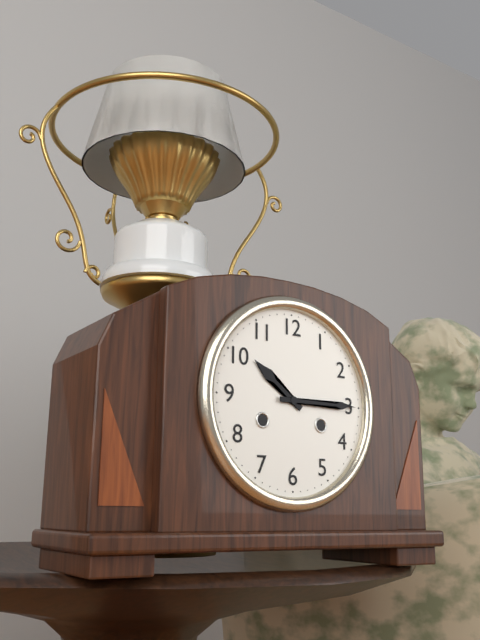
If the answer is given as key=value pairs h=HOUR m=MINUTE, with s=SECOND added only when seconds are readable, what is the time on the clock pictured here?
h=10 m=15
